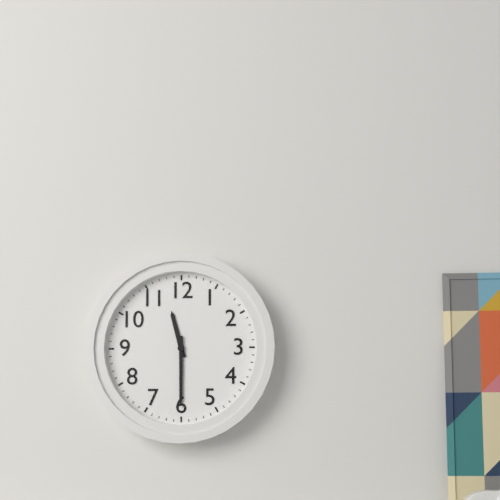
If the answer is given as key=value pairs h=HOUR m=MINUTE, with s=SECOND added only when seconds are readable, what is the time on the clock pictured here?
h=11 m=30
